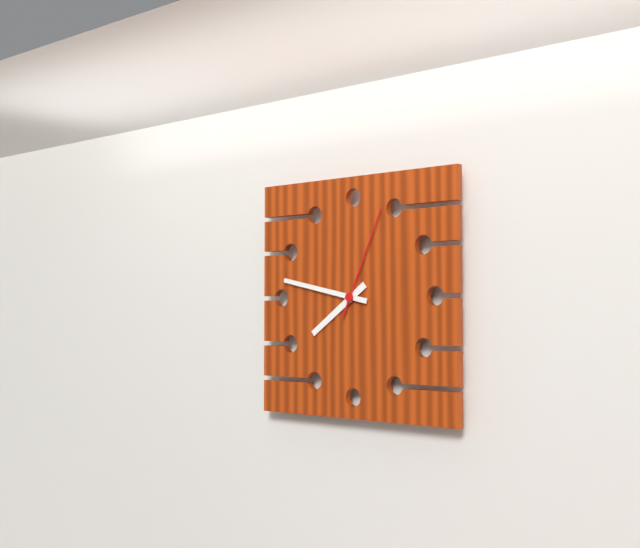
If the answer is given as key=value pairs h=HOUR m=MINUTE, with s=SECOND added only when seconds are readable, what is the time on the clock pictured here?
h=7 m=47 s=4
